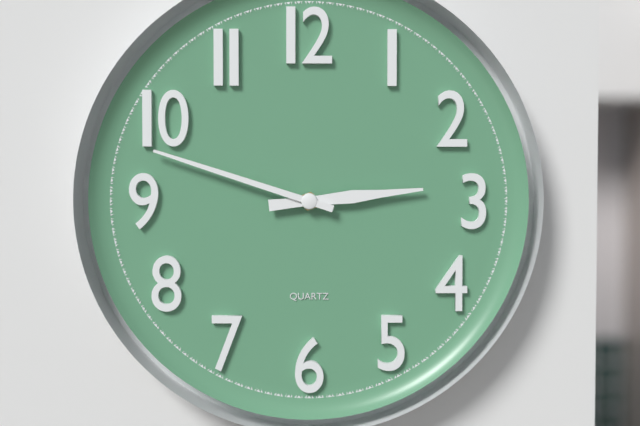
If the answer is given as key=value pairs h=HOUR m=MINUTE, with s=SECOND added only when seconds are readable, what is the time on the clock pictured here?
h=2 m=48
